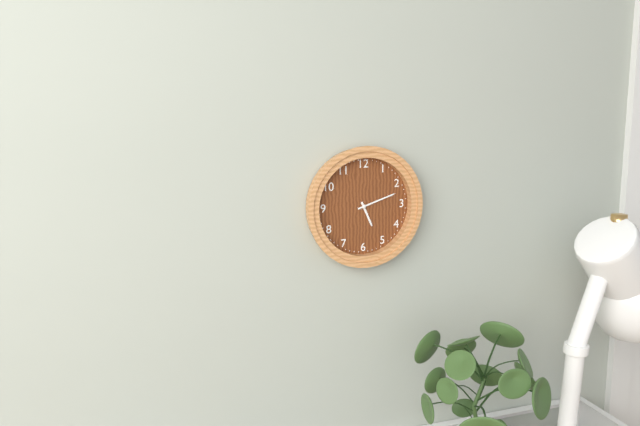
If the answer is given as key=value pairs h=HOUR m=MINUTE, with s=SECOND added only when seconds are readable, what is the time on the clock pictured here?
h=5 m=12
